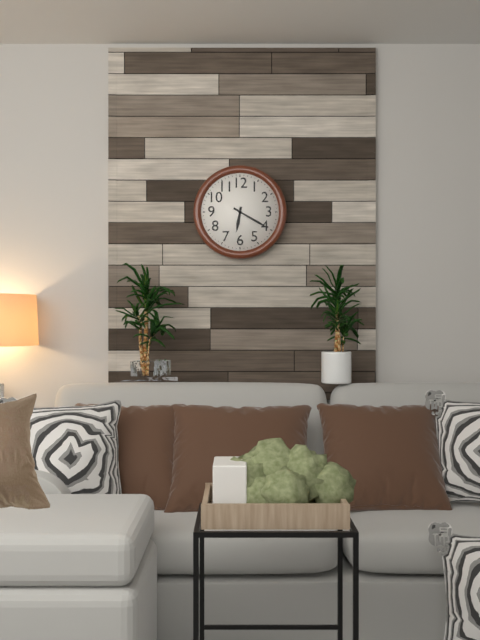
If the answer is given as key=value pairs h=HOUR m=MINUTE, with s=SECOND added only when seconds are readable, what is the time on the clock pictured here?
h=6 m=20
